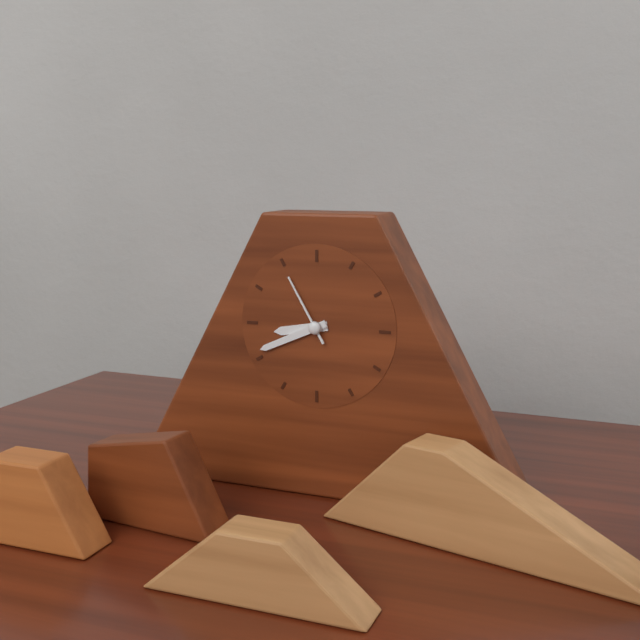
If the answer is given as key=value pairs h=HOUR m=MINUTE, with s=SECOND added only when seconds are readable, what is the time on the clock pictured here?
h=8 m=41 s=55
